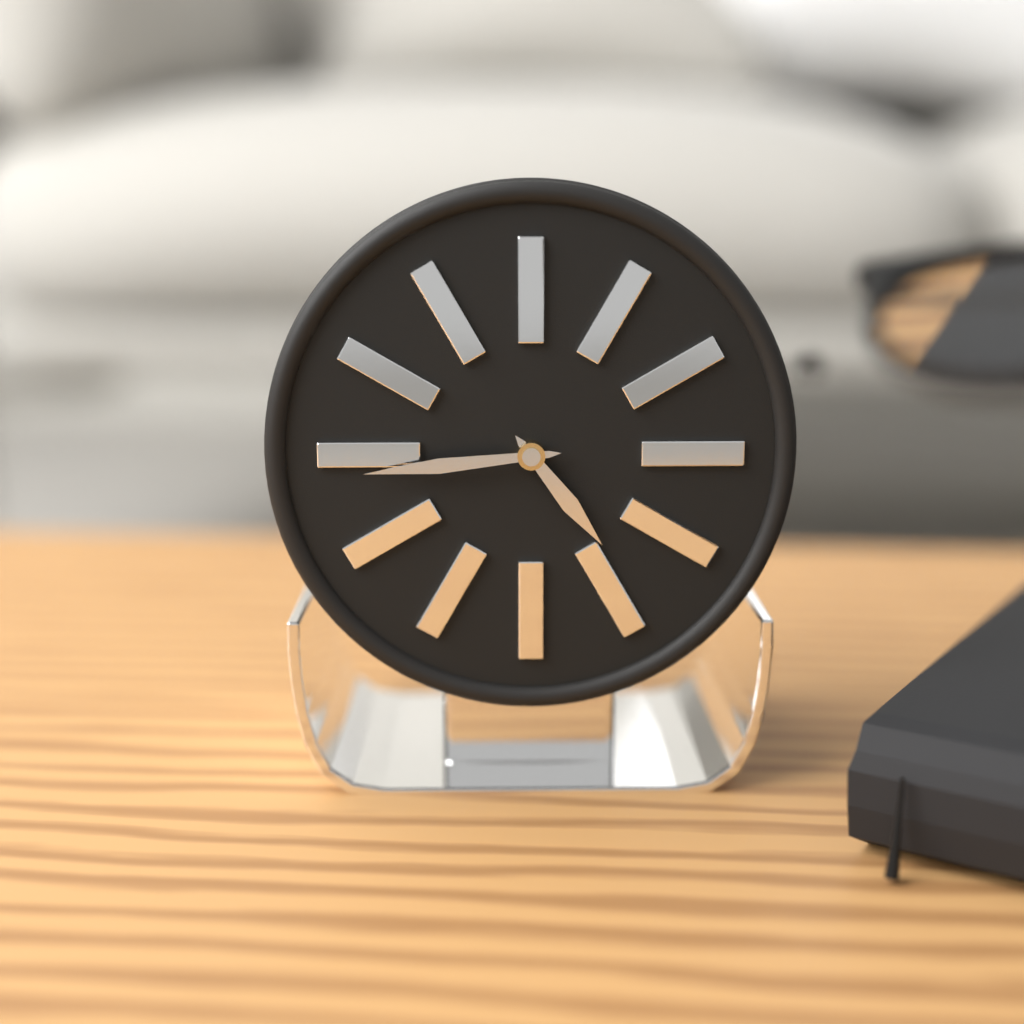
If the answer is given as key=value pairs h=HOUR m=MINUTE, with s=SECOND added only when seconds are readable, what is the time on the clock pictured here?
h=4 m=44
